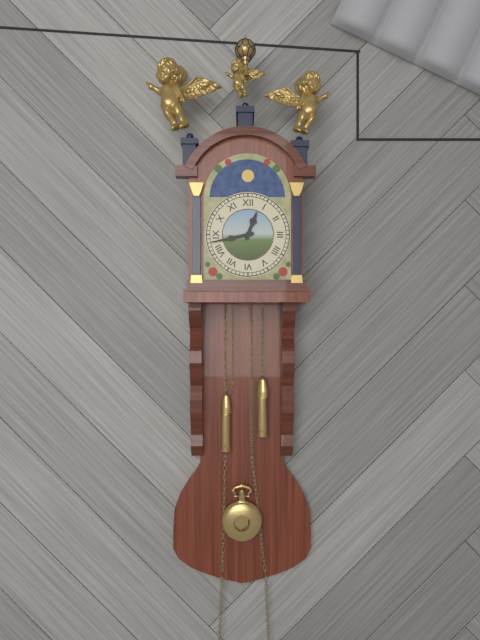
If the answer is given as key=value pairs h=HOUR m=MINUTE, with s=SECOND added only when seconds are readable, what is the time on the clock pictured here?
h=12 m=43
